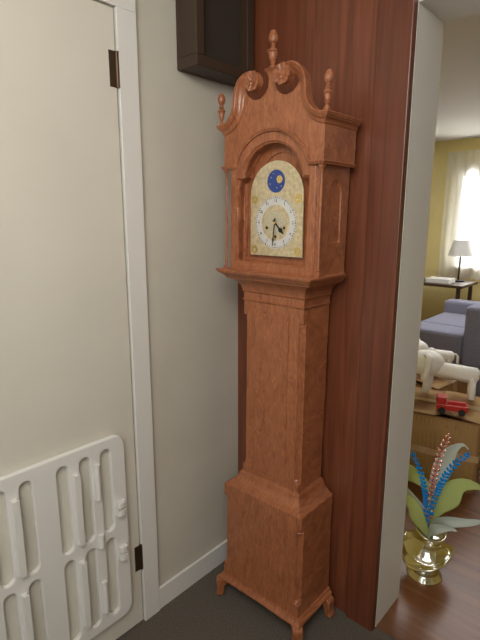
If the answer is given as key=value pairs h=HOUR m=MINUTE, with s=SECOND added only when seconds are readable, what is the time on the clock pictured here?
h=4 m=31
